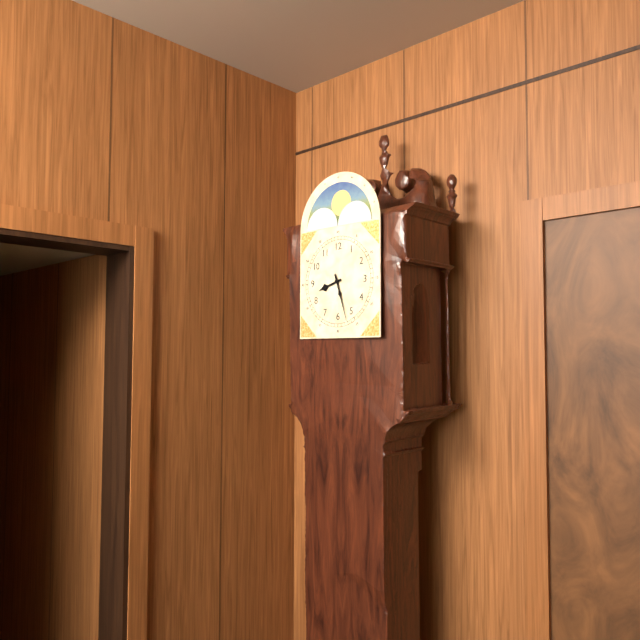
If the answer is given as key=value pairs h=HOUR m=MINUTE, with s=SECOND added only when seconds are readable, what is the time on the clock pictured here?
h=8 m=27
